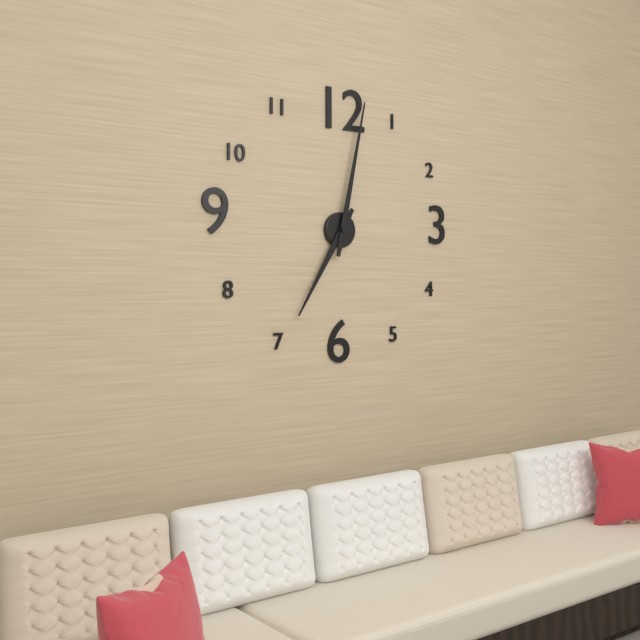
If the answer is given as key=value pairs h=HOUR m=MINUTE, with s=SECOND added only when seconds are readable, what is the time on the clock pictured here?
h=7 m=2
